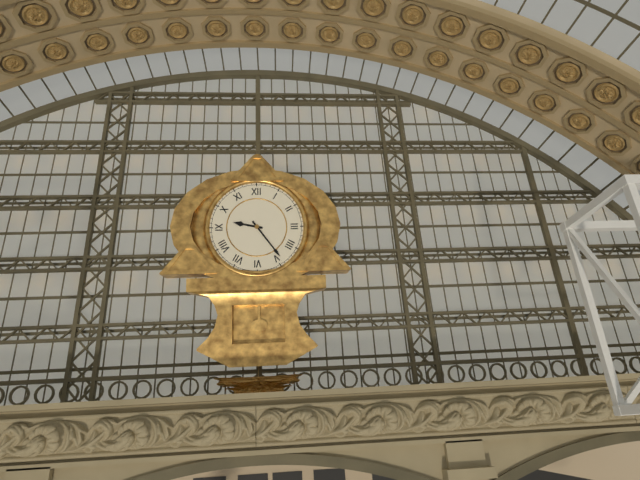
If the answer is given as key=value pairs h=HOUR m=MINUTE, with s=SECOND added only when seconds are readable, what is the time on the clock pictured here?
h=9 m=24
